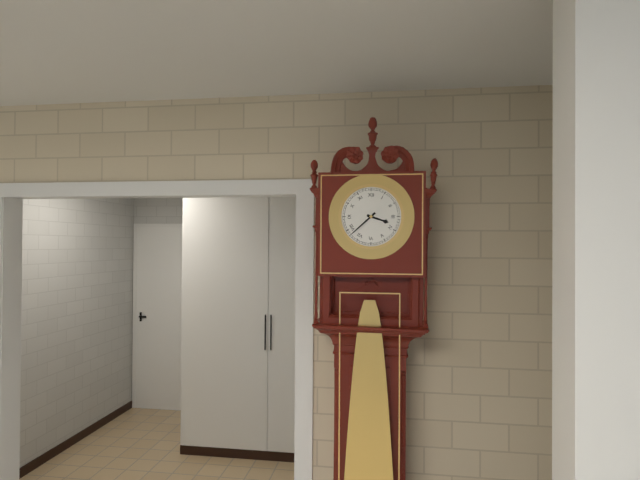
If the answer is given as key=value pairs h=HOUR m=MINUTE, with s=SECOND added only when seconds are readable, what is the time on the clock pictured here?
h=3 m=38
